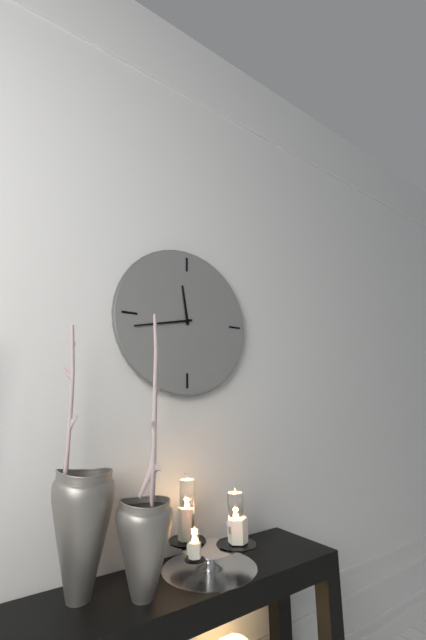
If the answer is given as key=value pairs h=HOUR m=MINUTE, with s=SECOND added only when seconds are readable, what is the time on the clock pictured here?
h=11 m=43
